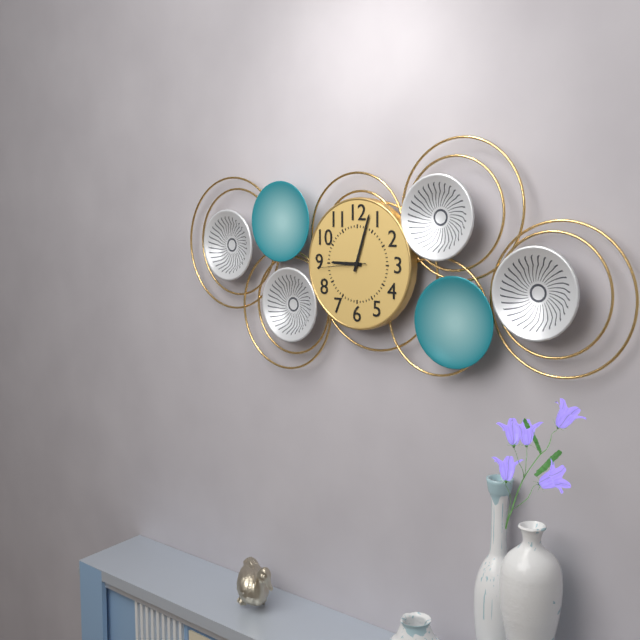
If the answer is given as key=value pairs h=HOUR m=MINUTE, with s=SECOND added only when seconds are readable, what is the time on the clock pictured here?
h=9 m=3
